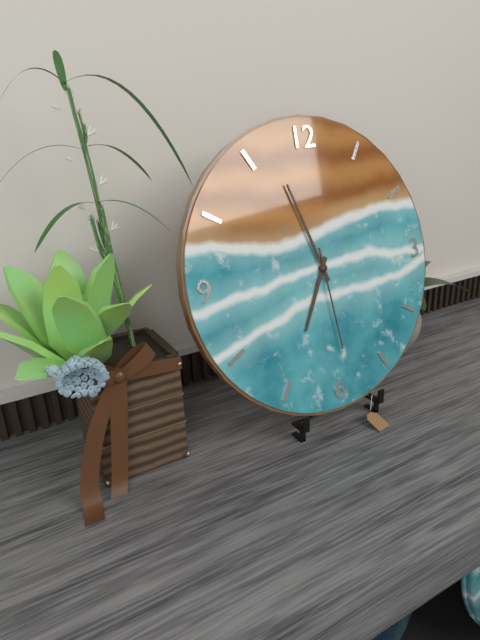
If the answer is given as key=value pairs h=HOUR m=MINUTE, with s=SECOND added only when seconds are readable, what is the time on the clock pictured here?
h=6 m=57 s=29
